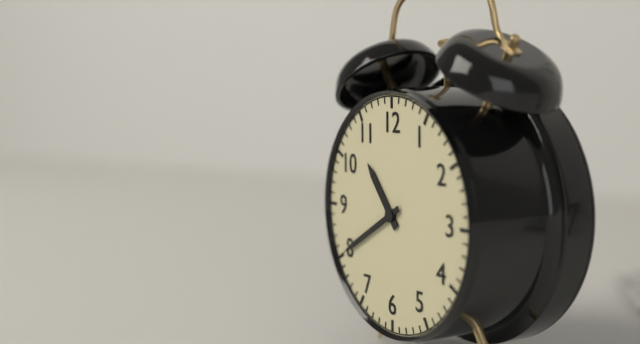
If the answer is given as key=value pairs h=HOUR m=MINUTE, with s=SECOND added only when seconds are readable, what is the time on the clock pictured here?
h=10 m=40
